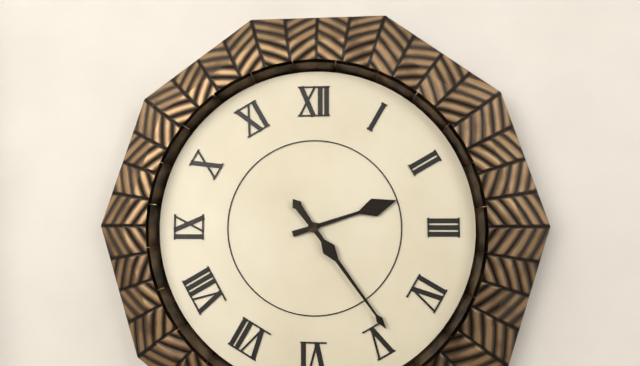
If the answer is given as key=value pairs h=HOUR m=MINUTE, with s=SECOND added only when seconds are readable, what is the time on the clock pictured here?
h=2 m=24
